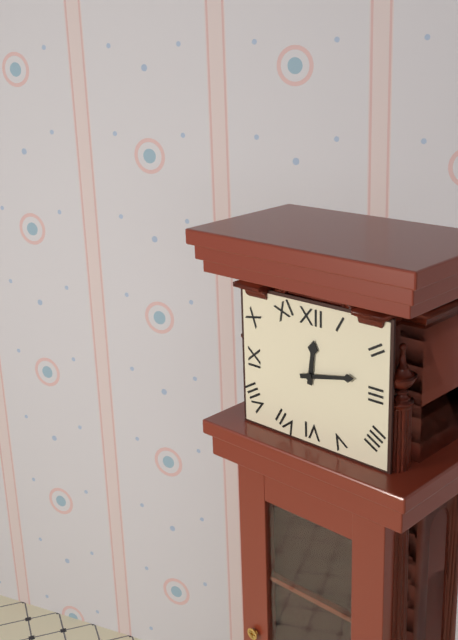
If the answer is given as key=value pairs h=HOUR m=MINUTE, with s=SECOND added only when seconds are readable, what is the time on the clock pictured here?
h=12 m=13
